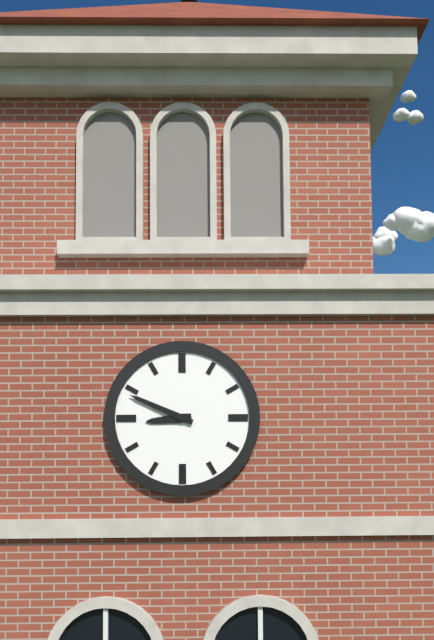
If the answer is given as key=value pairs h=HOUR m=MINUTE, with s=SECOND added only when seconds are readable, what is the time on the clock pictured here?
h=8 m=49
